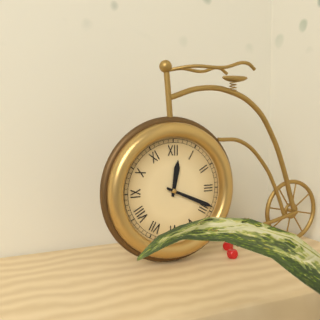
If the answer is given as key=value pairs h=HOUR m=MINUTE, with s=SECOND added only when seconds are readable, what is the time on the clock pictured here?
h=12 m=19
